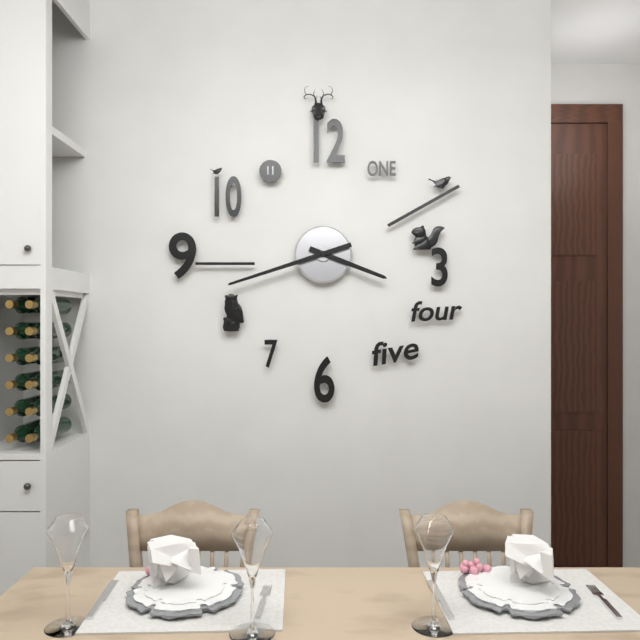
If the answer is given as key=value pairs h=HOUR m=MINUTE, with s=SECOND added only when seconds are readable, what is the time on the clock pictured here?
h=3 m=42
